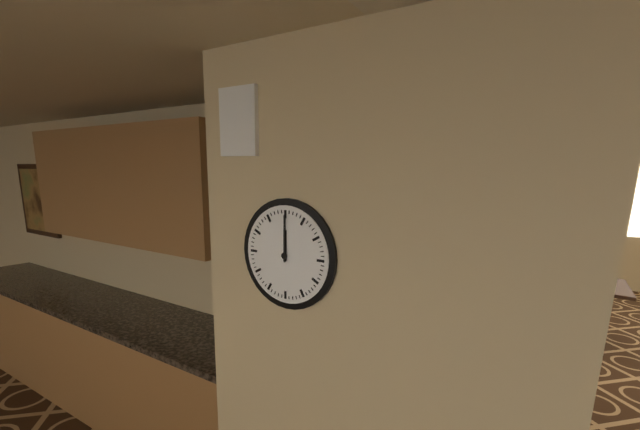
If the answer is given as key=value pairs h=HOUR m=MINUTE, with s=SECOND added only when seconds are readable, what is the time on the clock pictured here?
h=12 m=0
